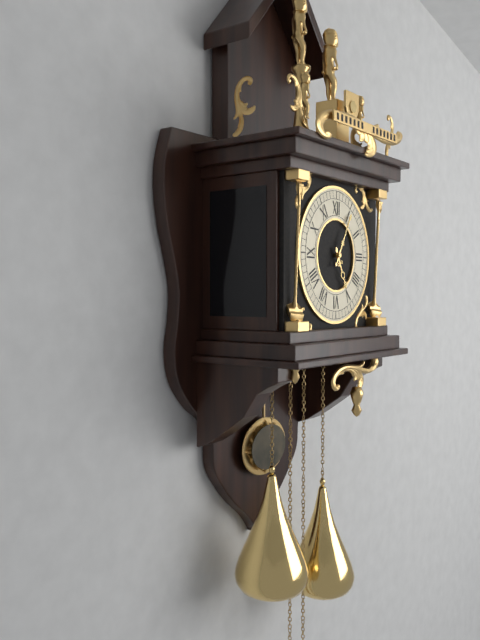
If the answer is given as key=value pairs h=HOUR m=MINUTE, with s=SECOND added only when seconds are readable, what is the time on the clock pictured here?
h=5 m=5
